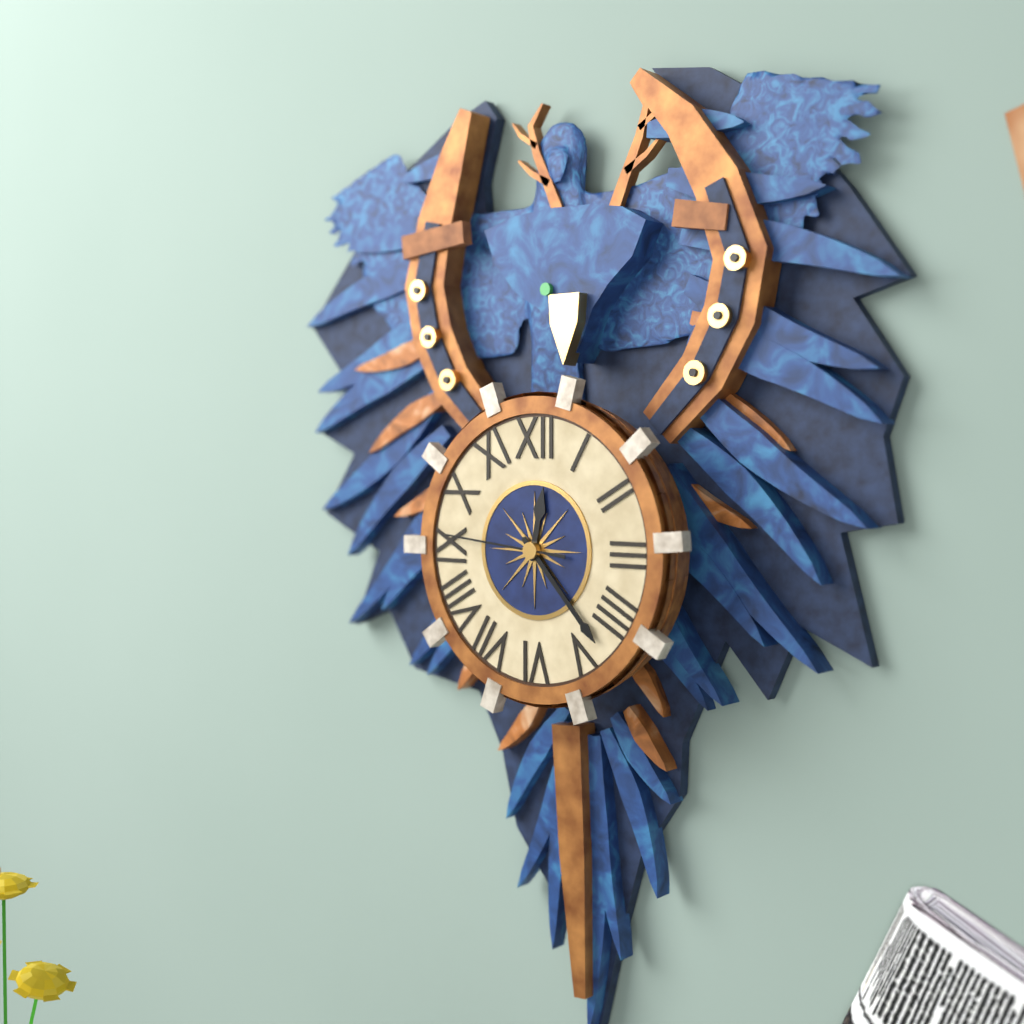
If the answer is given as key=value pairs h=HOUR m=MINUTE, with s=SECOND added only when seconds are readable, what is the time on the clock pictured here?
h=12 m=23 s=46
